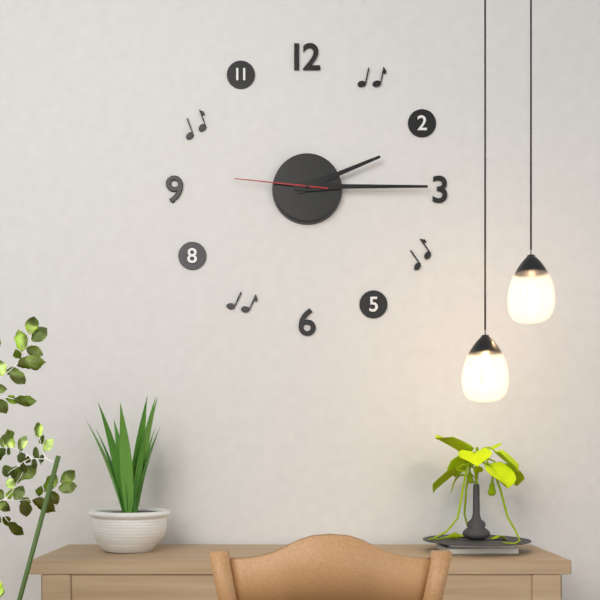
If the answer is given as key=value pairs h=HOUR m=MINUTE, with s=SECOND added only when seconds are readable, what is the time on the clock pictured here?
h=2 m=15 s=46
